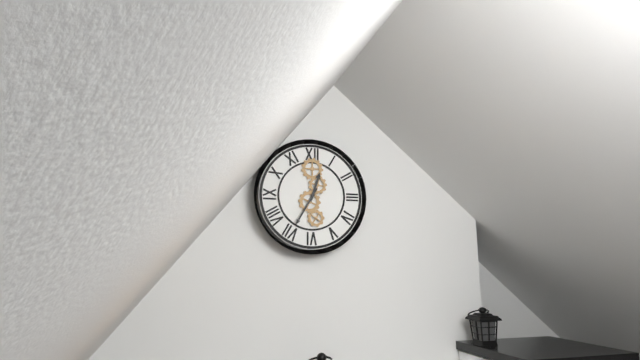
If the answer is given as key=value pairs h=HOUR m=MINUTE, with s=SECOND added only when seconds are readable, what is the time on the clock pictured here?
h=12 m=35
